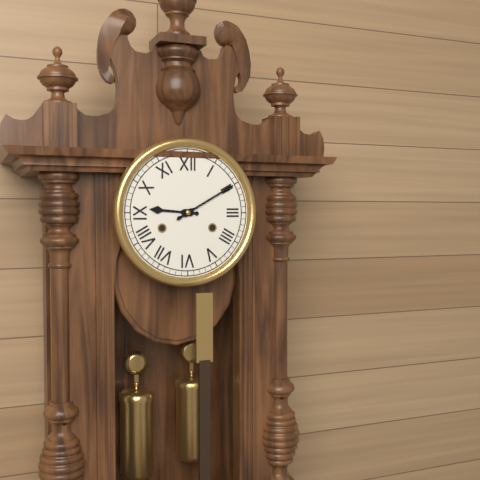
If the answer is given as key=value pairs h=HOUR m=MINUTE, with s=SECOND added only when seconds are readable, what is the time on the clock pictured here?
h=9 m=10
